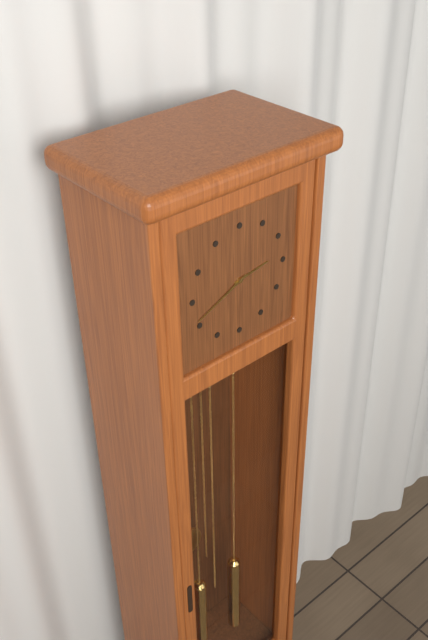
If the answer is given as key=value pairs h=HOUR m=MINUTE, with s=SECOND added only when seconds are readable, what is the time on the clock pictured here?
h=2 m=41
